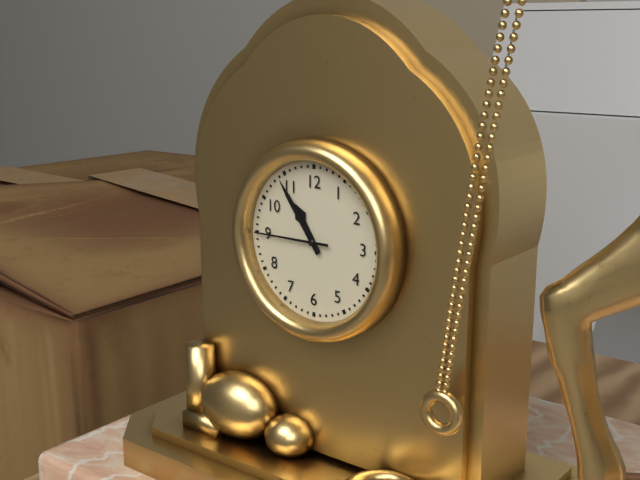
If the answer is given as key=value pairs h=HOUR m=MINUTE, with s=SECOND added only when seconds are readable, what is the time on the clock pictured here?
h=10 m=54 s=45
